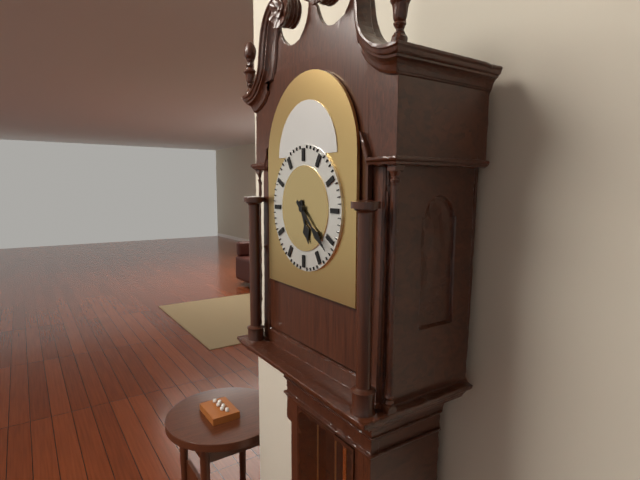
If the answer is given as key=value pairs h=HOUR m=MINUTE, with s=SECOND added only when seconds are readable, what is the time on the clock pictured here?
h=5 m=22
